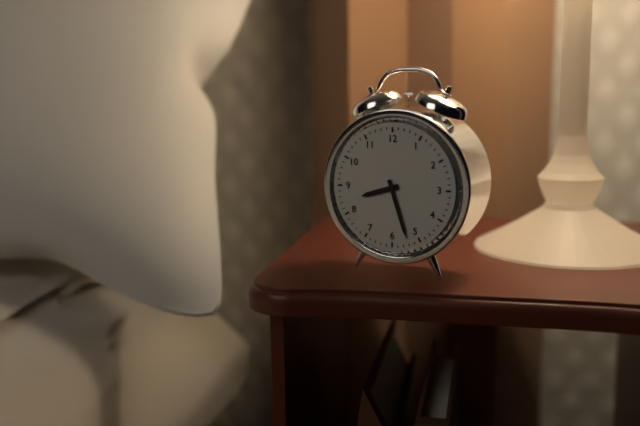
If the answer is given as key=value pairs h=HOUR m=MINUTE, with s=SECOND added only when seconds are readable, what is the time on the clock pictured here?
h=8 m=27
